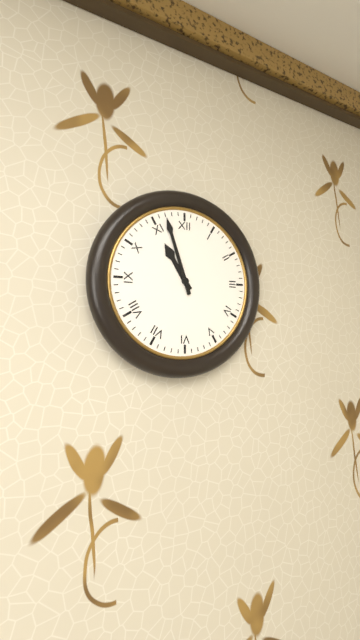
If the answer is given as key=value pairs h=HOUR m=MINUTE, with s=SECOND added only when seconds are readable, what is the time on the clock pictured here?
h=10 m=57
